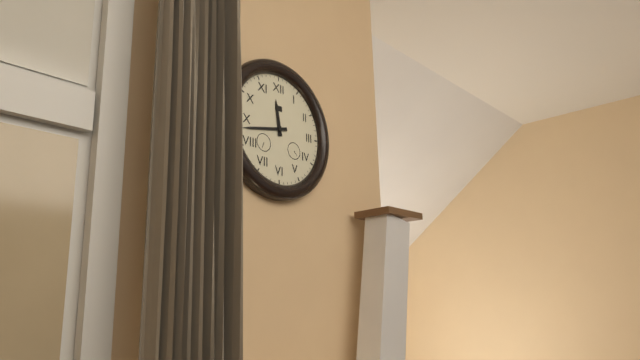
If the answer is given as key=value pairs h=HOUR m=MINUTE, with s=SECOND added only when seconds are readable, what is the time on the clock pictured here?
h=11 m=43
